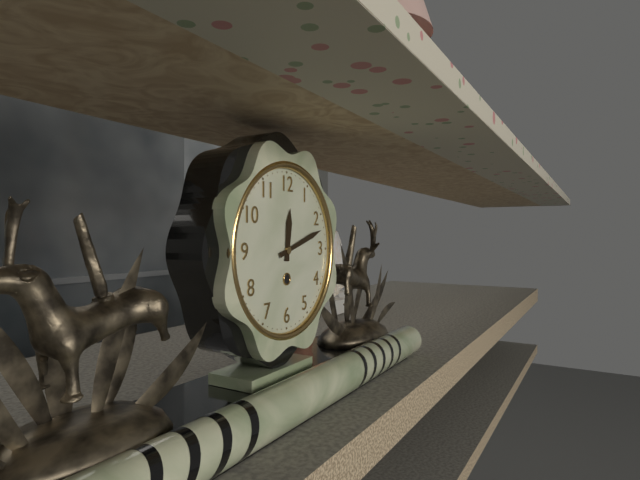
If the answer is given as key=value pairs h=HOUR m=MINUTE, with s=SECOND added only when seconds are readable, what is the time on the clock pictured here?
h=12 m=12
